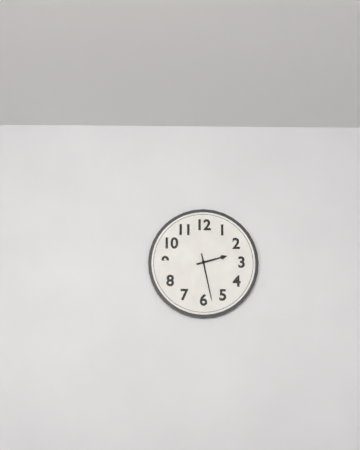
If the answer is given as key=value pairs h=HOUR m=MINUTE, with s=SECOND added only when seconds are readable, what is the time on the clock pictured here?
h=2 m=28
